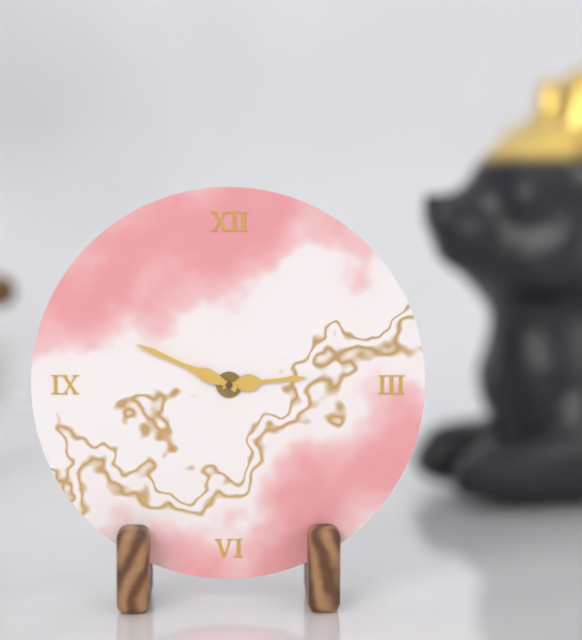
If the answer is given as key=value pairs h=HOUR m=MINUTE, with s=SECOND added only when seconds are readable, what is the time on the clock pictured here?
h=2 m=49
